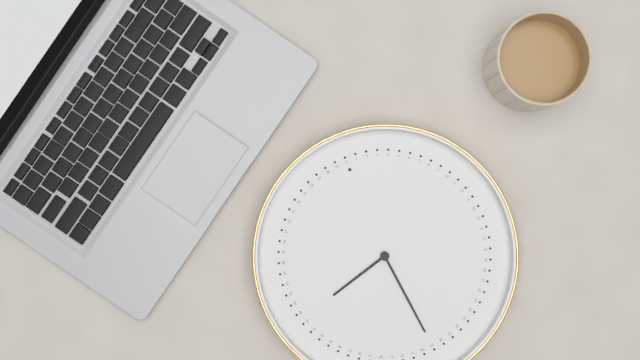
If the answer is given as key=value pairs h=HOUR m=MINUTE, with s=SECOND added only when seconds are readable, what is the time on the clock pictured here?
h=8 m=29
